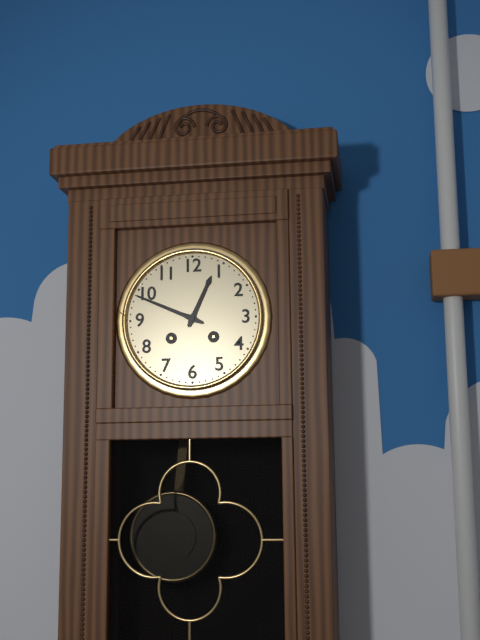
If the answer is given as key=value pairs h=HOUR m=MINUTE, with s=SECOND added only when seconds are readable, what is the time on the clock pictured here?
h=12 m=49
